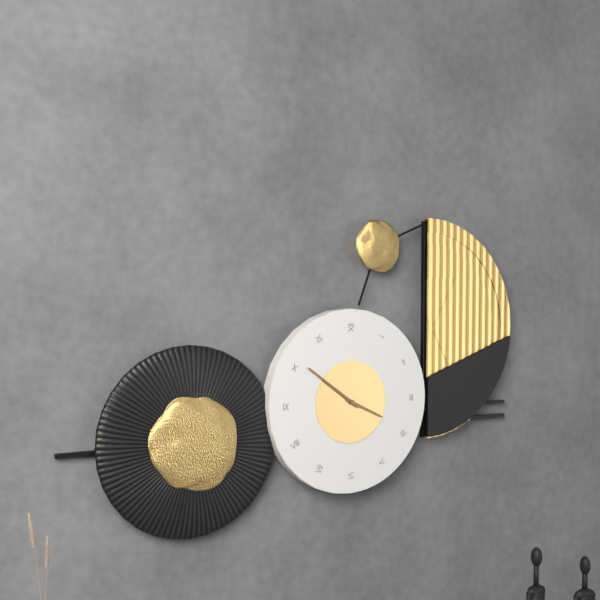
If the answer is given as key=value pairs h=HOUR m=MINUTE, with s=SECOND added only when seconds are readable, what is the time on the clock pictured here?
h=3 m=51
